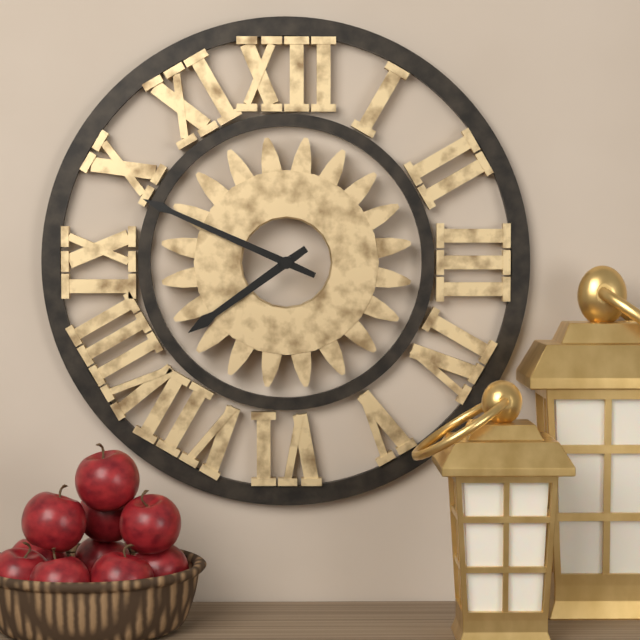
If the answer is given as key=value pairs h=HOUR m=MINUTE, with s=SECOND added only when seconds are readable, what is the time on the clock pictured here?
h=7 m=49
